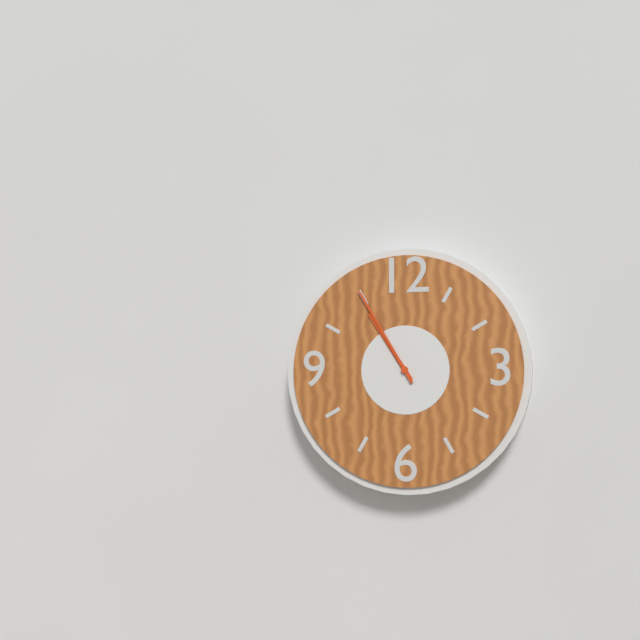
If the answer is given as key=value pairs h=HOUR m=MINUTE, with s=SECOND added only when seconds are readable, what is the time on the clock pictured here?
h=10 m=55
